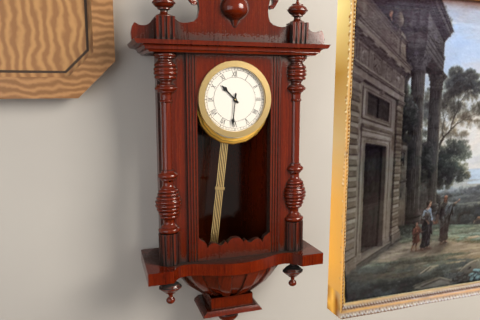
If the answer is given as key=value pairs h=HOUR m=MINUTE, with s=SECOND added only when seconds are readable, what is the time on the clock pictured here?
h=10 m=31
